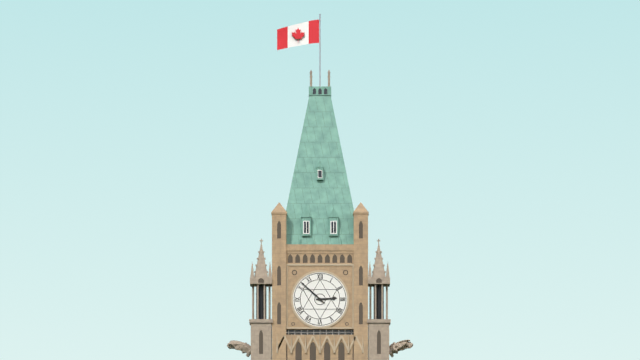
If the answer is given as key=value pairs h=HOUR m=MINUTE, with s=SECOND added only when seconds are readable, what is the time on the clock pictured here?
h=2 m=52
